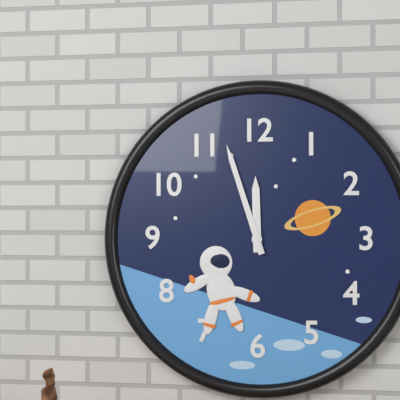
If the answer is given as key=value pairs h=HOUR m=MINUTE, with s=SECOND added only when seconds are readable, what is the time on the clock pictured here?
h=11 m=57
